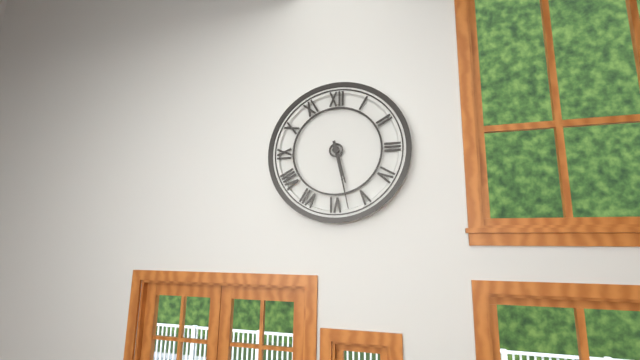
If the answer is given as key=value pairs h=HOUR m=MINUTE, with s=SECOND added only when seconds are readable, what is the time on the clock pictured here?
h=5 m=28
